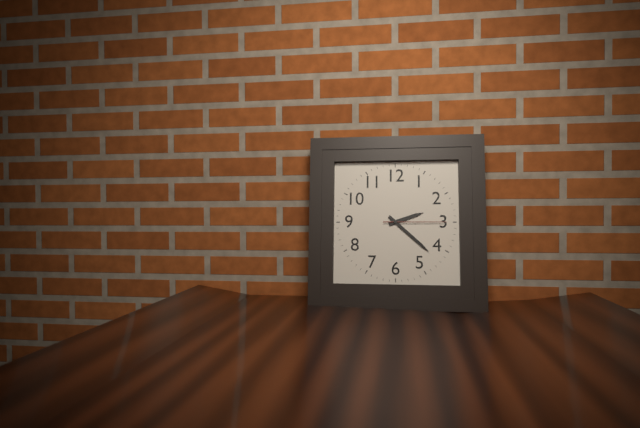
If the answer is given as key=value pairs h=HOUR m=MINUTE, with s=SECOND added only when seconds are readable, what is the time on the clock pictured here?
h=2 m=22 s=15
